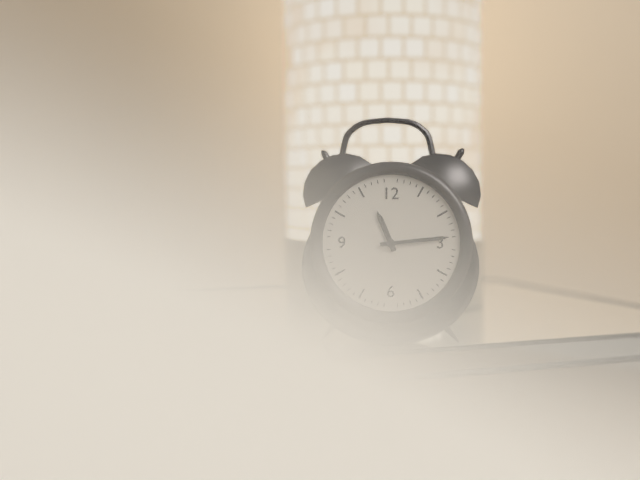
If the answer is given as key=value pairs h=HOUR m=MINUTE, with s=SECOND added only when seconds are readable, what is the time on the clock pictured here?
h=11 m=14
